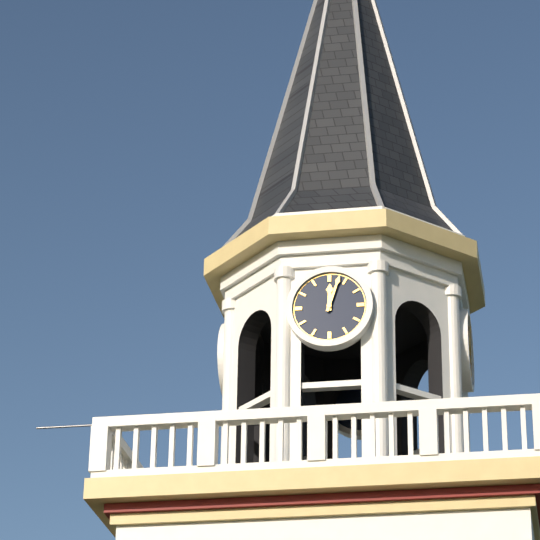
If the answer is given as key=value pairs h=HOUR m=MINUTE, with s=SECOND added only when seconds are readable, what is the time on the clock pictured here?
h=12 m=3
